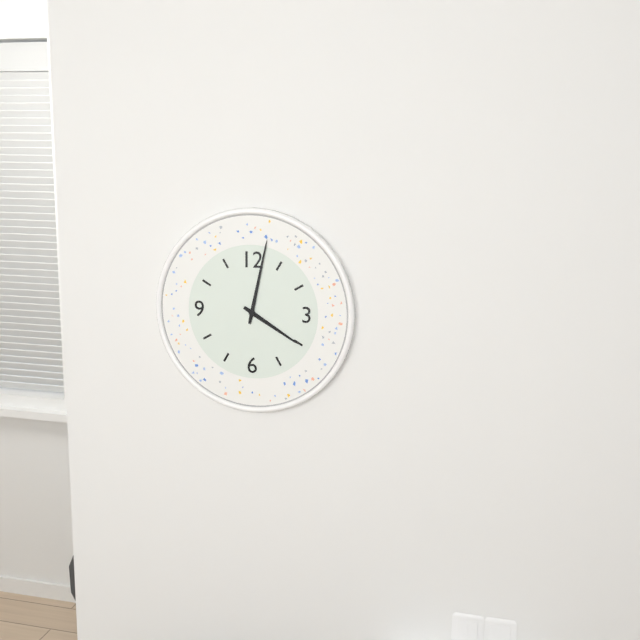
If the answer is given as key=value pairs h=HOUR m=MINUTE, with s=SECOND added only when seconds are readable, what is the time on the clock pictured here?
h=4 m=2
